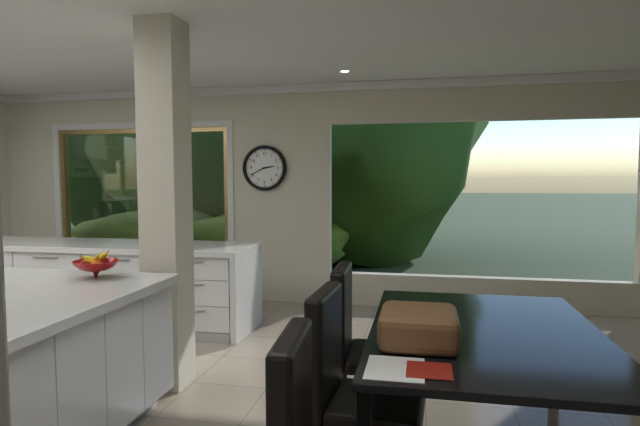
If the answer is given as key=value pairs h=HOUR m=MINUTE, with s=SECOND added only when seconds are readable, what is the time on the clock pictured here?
h=2 m=41
